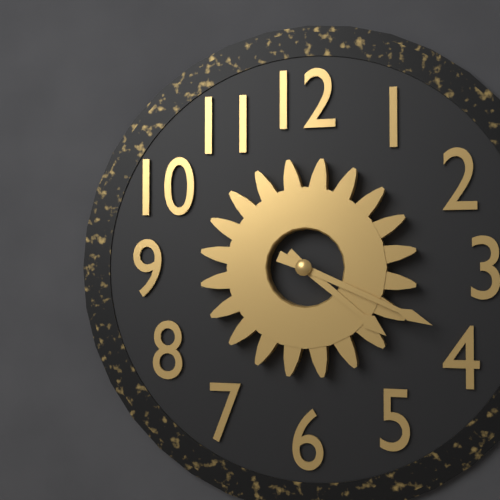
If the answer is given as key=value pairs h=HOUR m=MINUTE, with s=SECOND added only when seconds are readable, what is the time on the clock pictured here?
h=4 m=19
